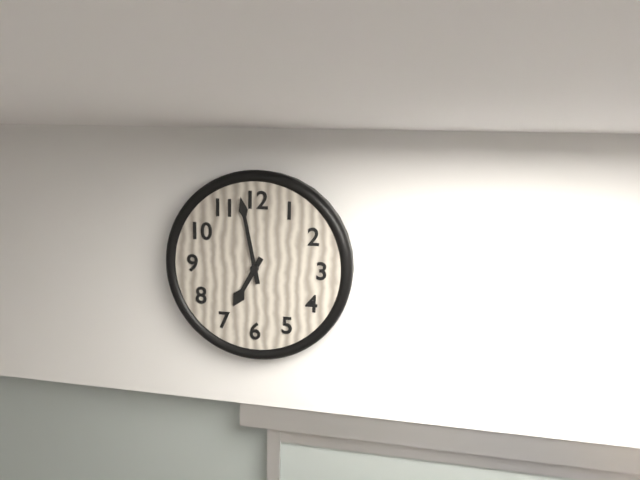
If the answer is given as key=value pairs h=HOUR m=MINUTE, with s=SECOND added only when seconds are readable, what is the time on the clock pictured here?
h=6 m=58
